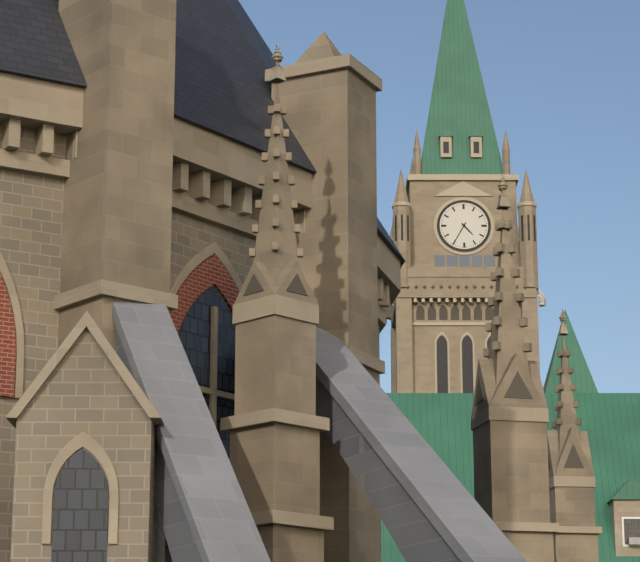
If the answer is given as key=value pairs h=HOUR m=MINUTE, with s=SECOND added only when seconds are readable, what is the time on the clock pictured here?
h=4 m=35
